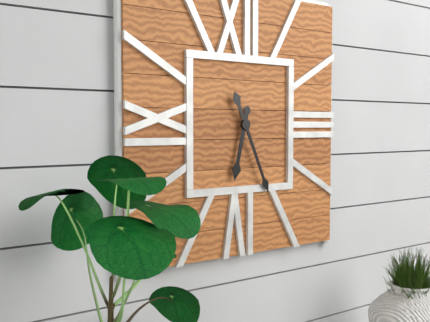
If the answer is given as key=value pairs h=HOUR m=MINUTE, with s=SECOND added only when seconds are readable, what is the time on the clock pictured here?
h=6 m=26
